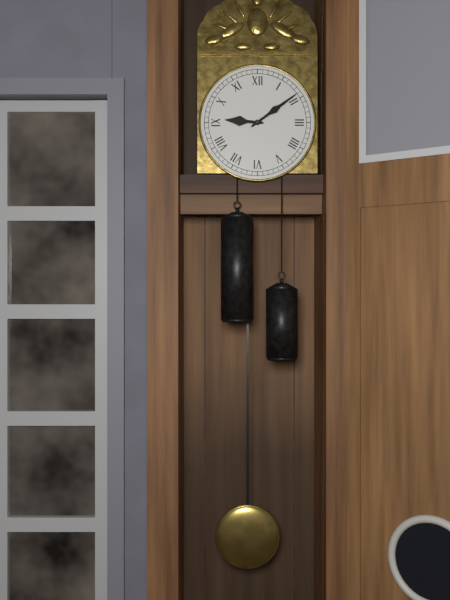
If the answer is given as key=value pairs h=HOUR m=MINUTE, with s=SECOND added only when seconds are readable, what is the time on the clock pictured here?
h=9 m=9
